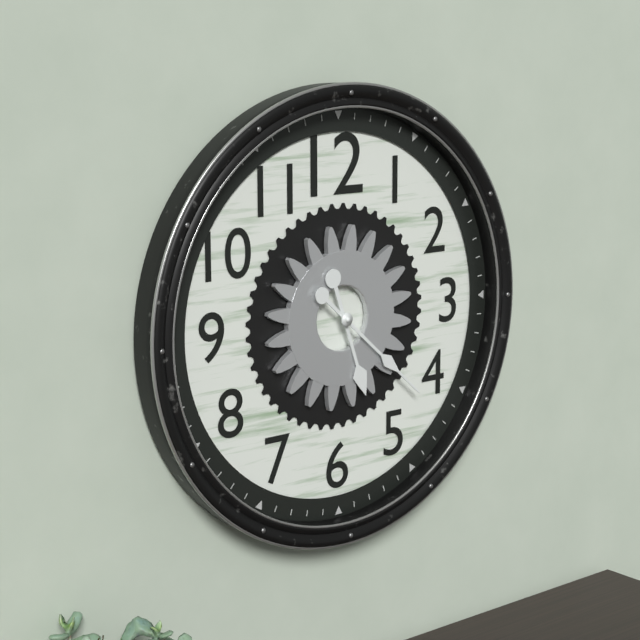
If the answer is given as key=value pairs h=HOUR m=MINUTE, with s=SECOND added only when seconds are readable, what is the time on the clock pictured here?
h=5 m=22
